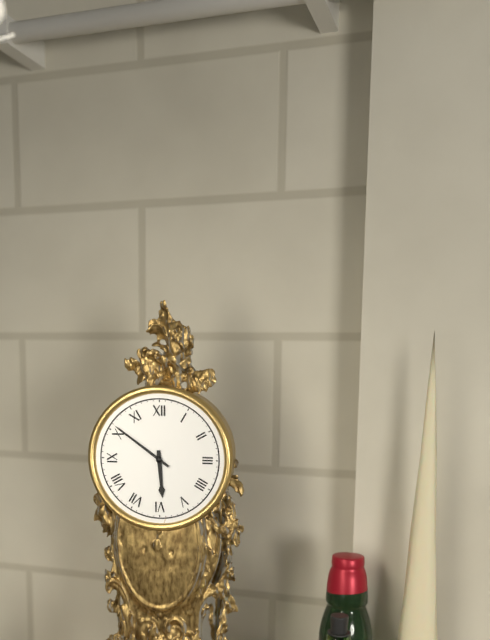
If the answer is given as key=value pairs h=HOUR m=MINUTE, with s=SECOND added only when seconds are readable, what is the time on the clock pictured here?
h=5 m=51
